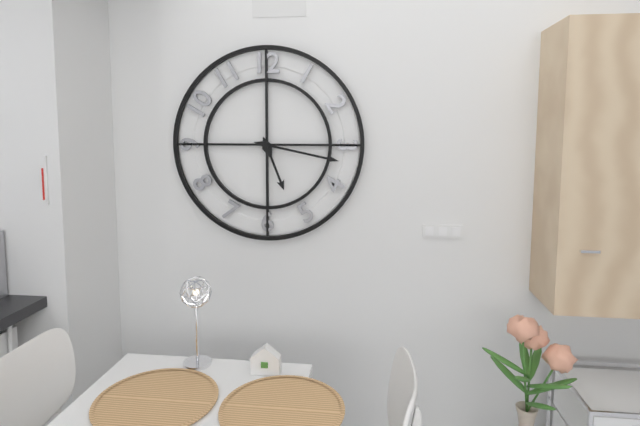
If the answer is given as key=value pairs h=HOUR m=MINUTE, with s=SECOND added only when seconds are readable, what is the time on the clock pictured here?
h=5 m=17
